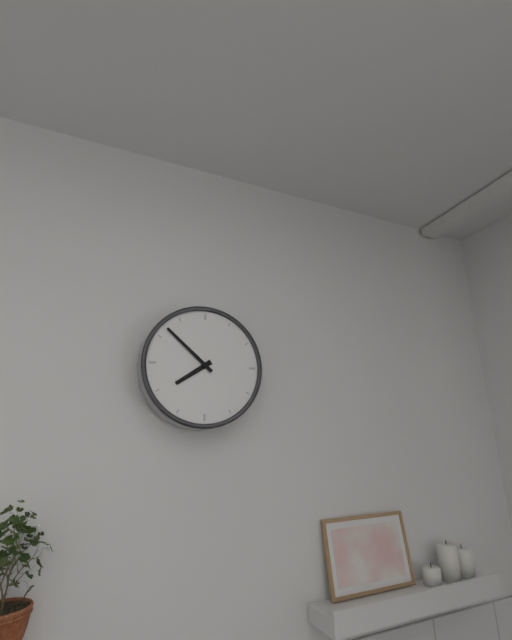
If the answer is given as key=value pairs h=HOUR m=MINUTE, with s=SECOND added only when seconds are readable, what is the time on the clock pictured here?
h=7 m=52
